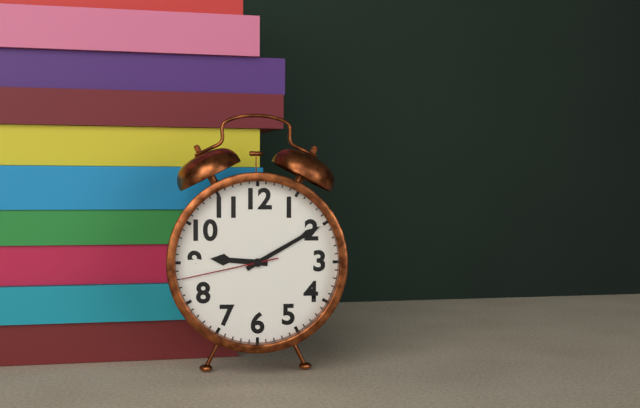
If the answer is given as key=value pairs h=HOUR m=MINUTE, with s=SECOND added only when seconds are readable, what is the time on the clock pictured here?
h=9 m=10 s=43
